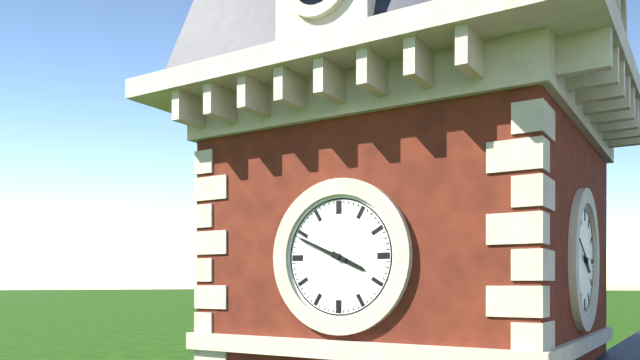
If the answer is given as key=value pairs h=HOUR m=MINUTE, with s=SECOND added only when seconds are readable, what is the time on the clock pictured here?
h=3 m=49
